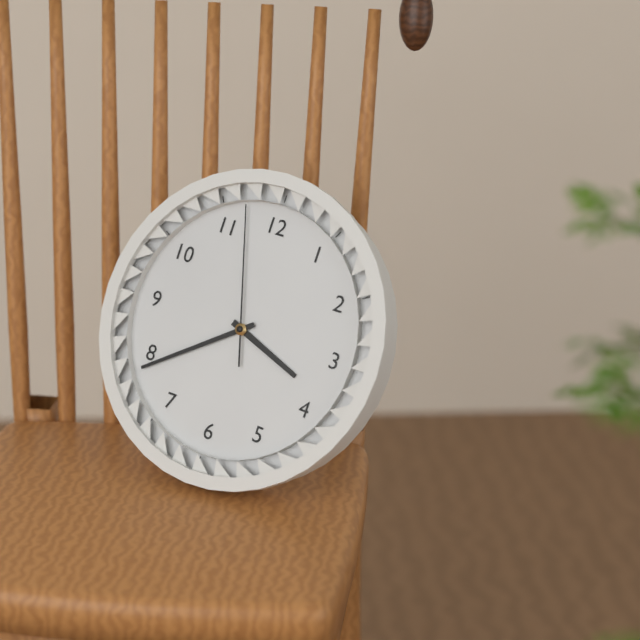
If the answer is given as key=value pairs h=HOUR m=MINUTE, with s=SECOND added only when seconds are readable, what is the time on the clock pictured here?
h=3 m=39 s=57
